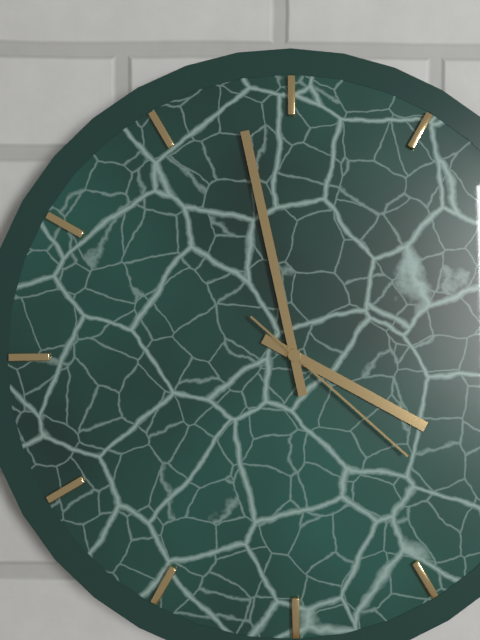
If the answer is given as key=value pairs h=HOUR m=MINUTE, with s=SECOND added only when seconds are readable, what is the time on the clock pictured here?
h=3 m=58 s=22
